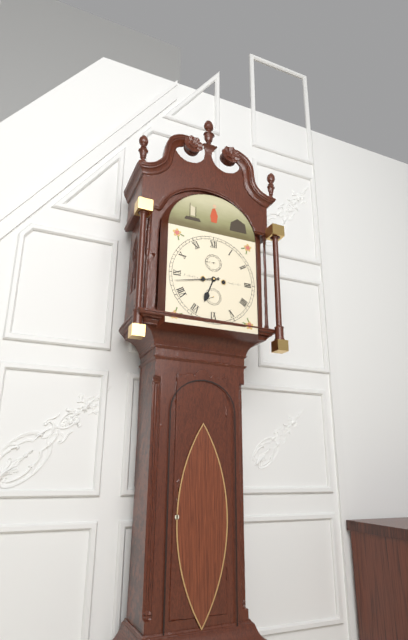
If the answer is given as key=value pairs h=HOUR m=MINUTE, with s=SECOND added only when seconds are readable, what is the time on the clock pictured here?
h=6 m=43
